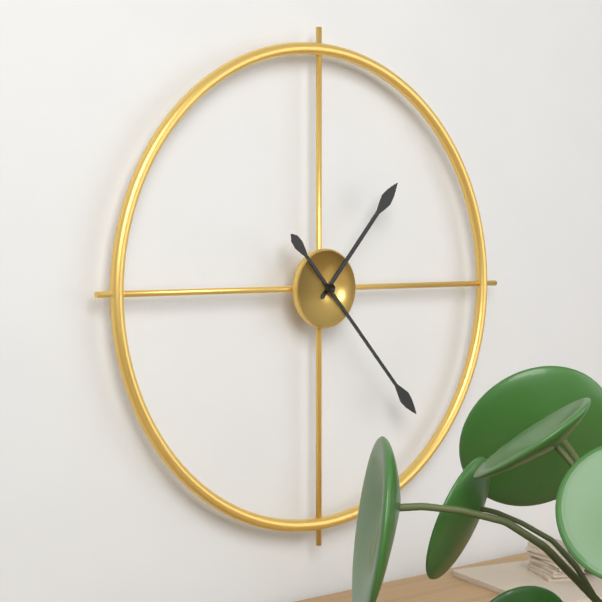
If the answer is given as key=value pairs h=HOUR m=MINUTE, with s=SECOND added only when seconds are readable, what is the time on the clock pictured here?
h=1 m=23
